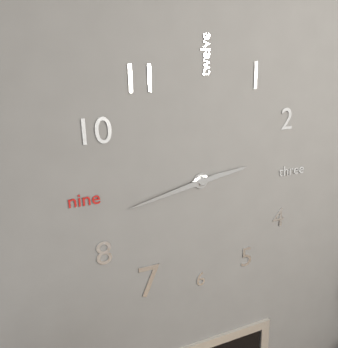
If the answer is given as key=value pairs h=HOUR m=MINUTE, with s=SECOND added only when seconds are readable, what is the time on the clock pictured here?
h=2 m=43
